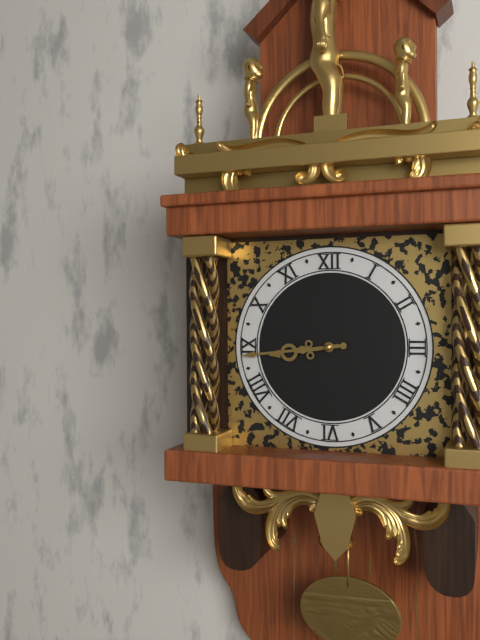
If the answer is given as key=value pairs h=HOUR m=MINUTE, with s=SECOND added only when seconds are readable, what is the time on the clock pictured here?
h=8 m=44
